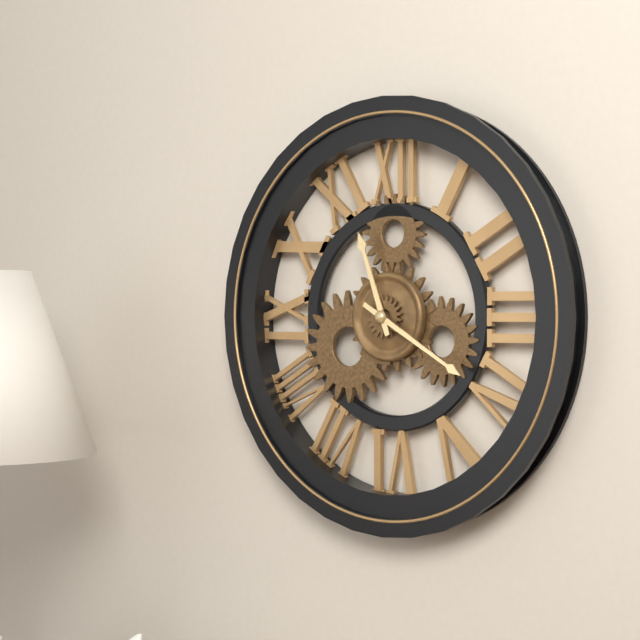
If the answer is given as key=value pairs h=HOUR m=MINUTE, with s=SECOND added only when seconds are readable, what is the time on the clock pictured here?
h=11 m=20
